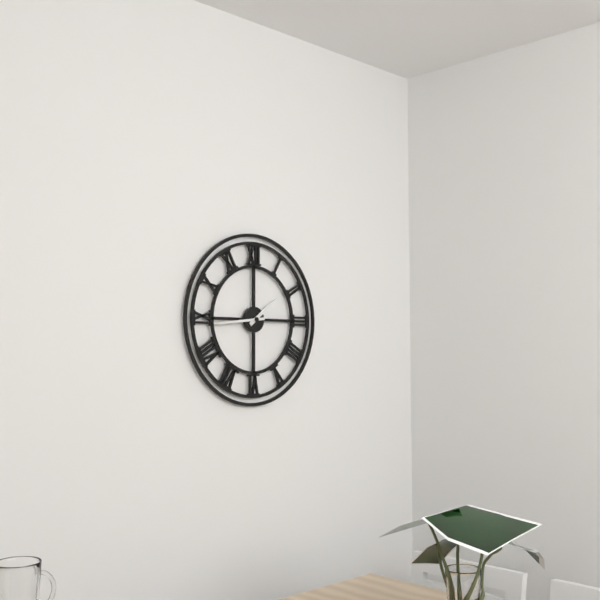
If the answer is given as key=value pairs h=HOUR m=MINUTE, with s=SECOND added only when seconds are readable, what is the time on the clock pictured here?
h=1 m=44
